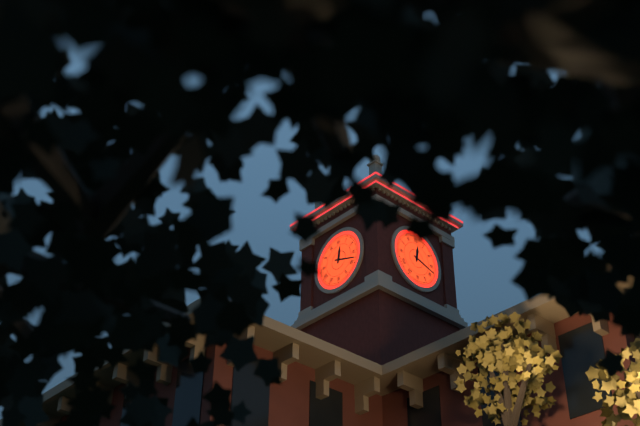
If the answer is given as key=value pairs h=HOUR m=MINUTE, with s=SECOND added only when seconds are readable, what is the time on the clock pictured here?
h=12 m=18
